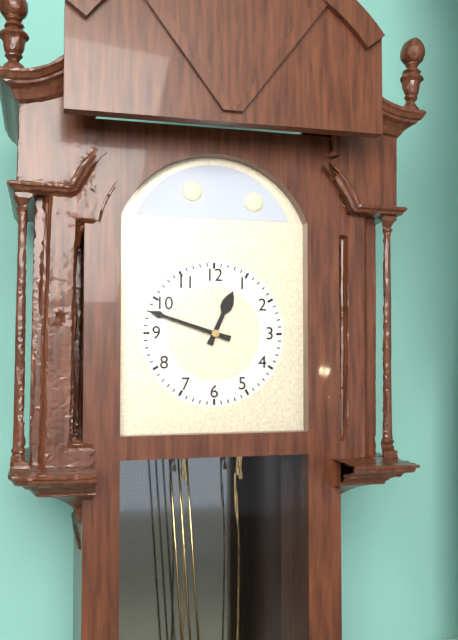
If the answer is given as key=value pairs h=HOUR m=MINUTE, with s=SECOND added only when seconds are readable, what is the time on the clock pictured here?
h=12 m=48
